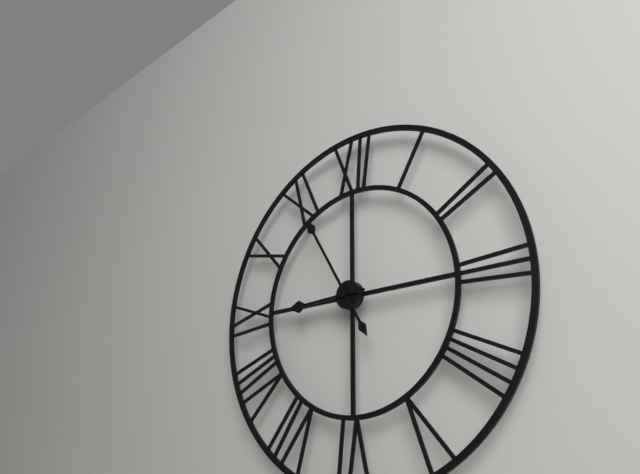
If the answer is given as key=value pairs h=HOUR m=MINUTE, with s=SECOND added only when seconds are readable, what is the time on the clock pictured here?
h=8 m=55
